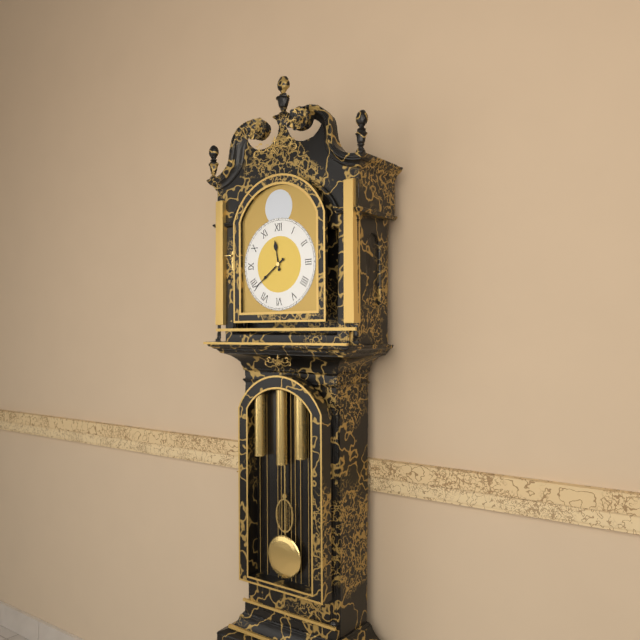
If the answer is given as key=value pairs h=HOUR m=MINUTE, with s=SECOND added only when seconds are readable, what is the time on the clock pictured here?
h=11 m=39
